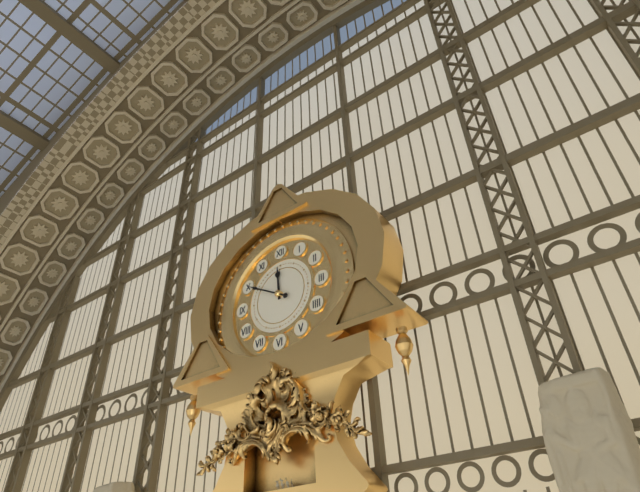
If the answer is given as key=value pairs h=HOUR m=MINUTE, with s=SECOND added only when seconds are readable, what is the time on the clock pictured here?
h=11 m=50
